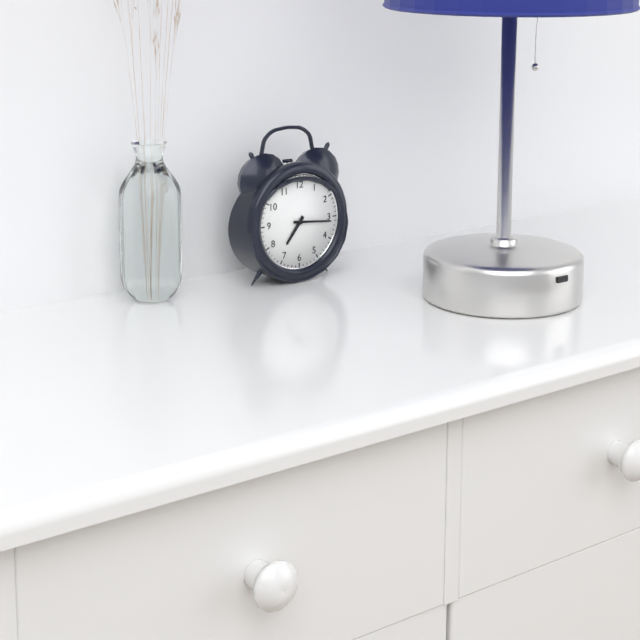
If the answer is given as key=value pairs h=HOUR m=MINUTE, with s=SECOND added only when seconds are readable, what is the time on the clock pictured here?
h=7 m=16
